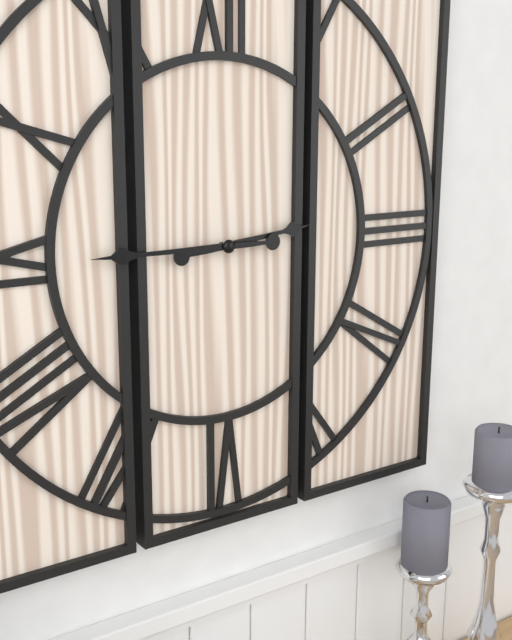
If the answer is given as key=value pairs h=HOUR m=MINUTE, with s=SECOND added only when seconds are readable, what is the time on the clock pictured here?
h=2 m=45
